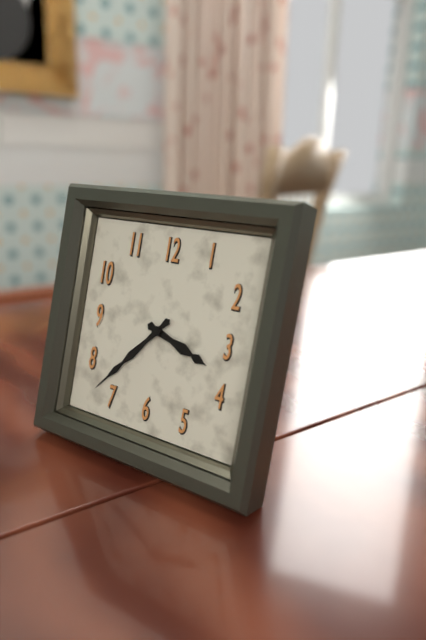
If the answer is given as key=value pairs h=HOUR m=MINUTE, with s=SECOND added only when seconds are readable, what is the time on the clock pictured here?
h=3 m=37
